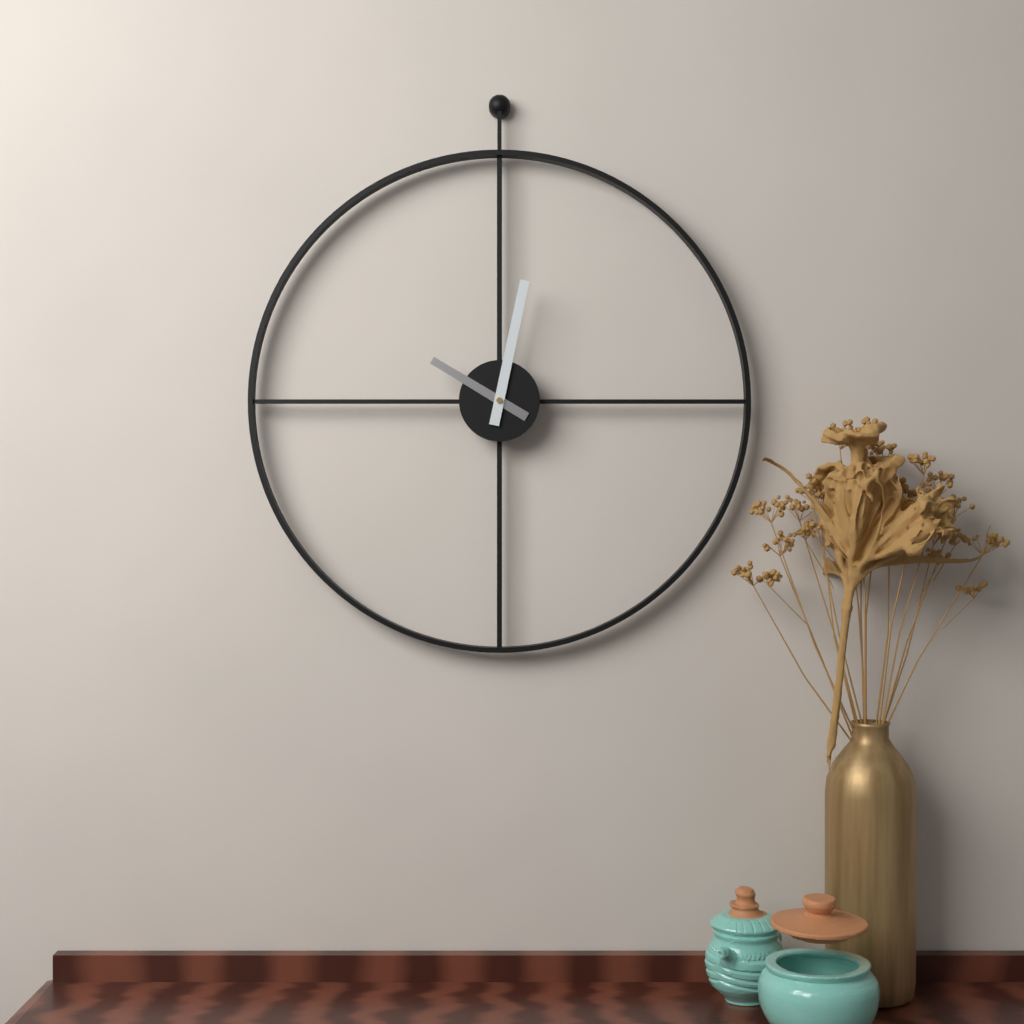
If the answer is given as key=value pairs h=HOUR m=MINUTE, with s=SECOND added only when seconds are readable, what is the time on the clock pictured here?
h=10 m=2
